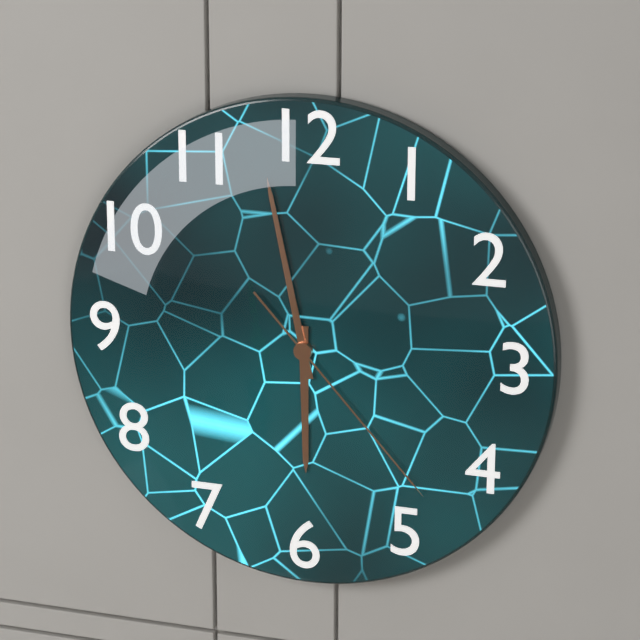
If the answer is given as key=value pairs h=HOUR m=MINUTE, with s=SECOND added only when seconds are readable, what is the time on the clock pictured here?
h=5 m=58 s=23
